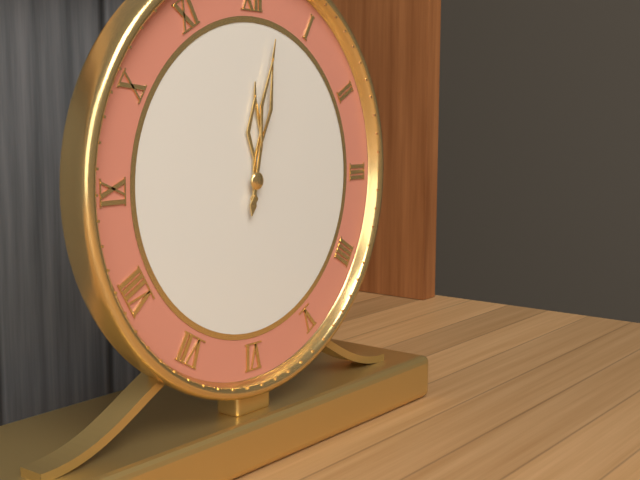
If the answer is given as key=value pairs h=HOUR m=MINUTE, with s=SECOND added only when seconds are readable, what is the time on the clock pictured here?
h=12 m=2
